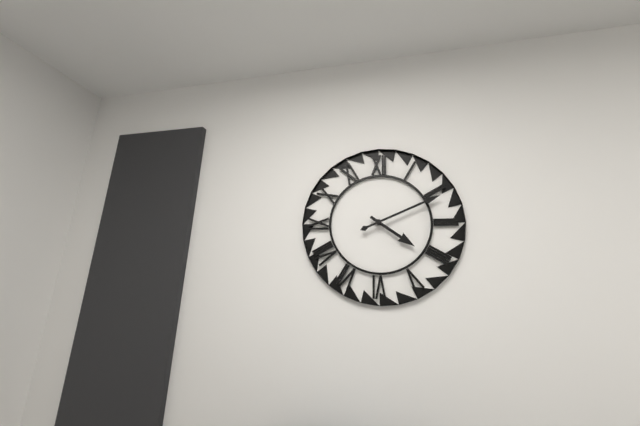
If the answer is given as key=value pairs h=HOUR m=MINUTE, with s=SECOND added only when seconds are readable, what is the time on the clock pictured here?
h=4 m=11
